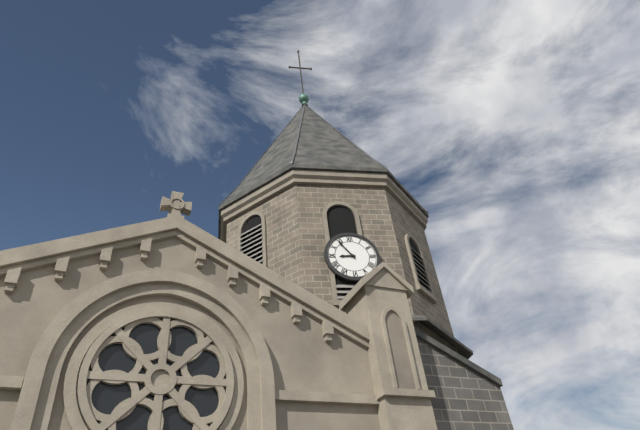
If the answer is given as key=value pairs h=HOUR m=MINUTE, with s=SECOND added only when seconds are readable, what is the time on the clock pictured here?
h=8 m=54
